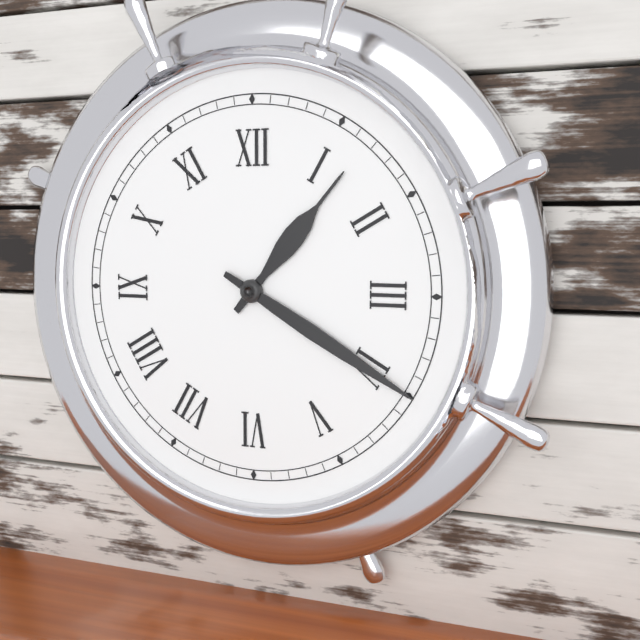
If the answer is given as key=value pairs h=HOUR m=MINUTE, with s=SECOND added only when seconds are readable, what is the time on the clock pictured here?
h=1 m=20
